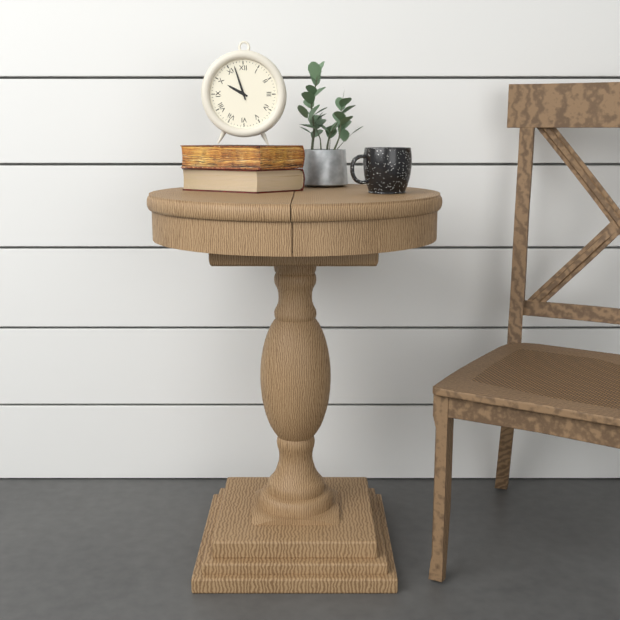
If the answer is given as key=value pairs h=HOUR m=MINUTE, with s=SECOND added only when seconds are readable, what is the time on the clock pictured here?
h=9 m=57
